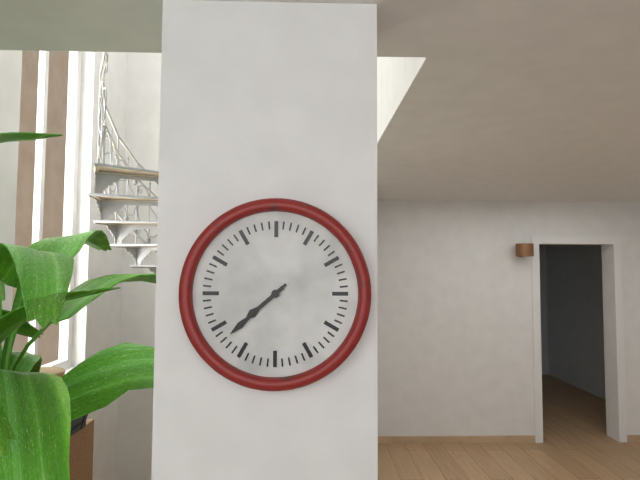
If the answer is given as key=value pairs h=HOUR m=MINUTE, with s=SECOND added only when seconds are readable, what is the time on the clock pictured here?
h=7 m=38
